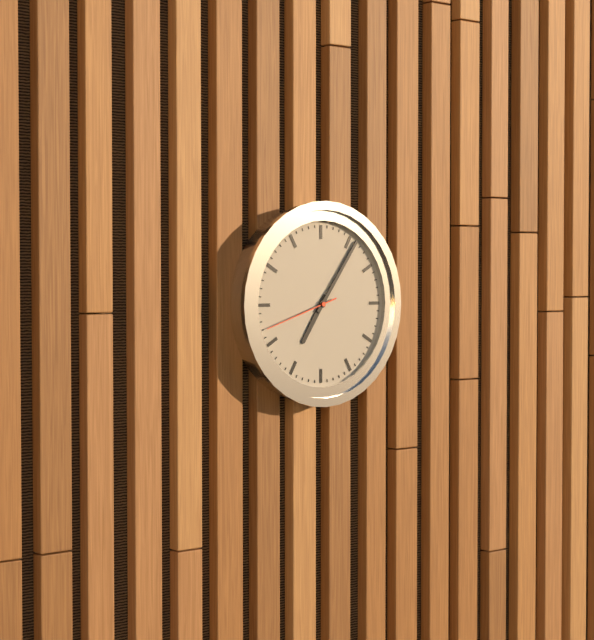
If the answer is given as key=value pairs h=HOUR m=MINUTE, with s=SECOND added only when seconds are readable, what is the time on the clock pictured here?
h=7 m=6 s=42
